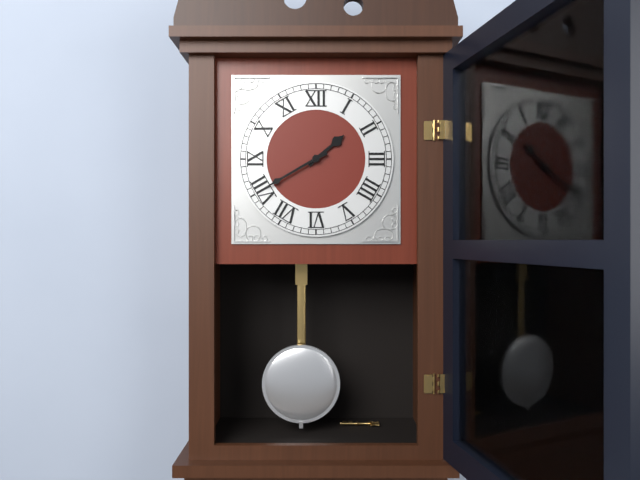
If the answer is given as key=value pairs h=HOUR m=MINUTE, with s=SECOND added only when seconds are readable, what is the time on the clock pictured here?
h=1 m=40
